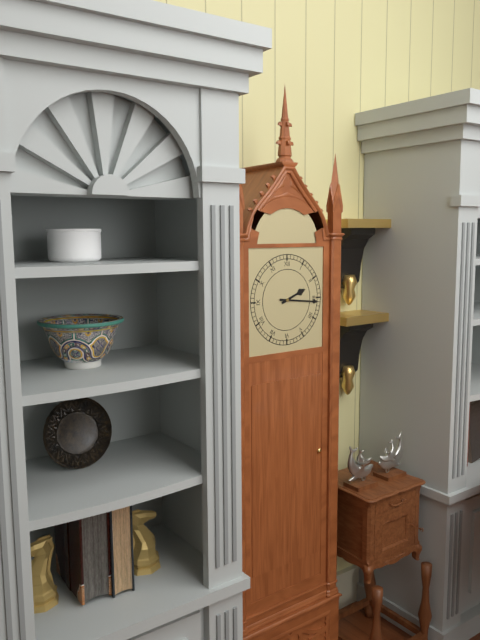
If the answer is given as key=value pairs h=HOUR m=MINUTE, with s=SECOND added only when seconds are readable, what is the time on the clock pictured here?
h=2 m=16
